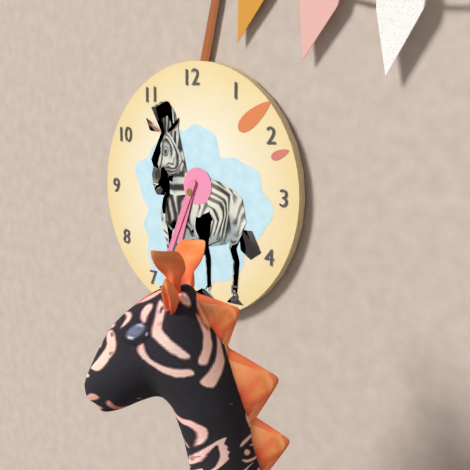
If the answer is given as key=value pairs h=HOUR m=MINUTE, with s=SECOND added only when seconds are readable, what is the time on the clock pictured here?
h=6 m=34
